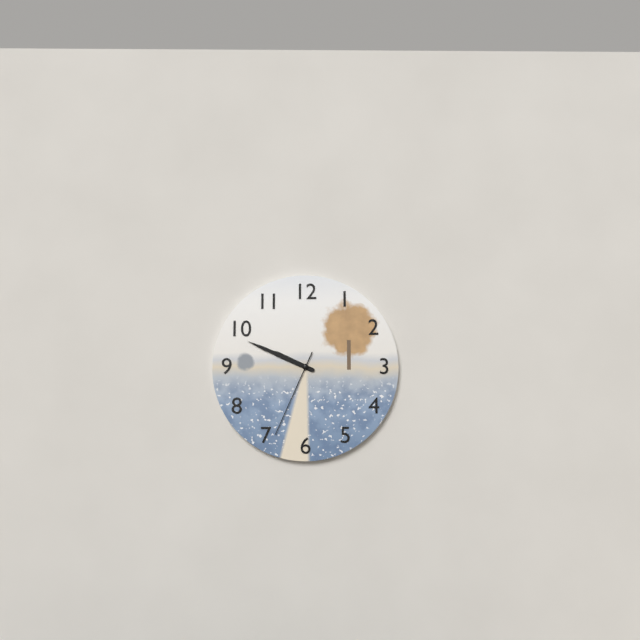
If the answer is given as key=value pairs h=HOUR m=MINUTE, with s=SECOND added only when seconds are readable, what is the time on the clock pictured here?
h=9 m=49 s=34
